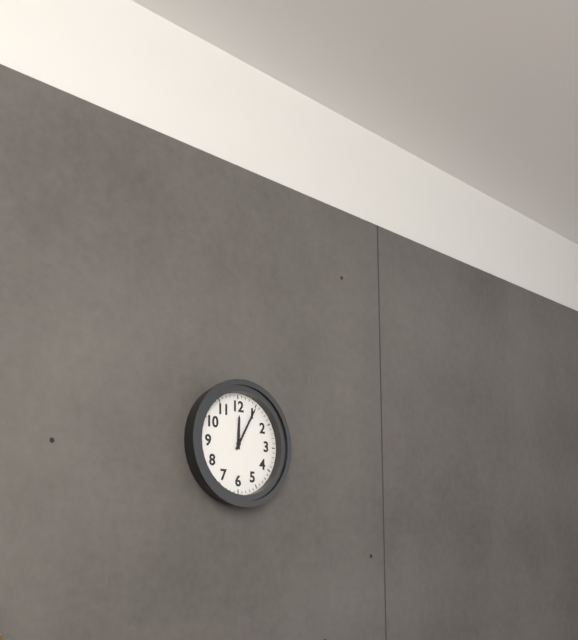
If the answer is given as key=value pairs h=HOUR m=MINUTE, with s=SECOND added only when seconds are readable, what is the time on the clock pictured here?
h=12 m=5
